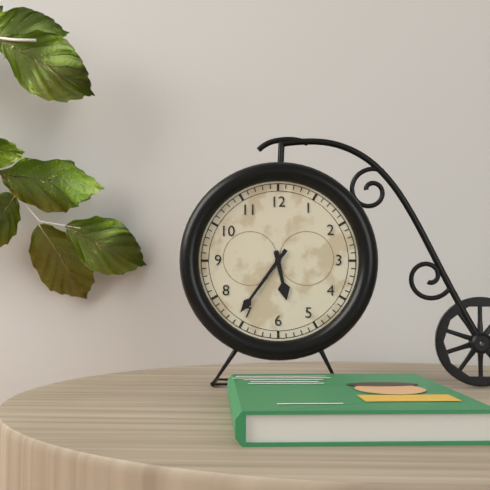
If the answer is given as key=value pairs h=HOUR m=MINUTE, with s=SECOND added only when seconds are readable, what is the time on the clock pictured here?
h=5 m=36
